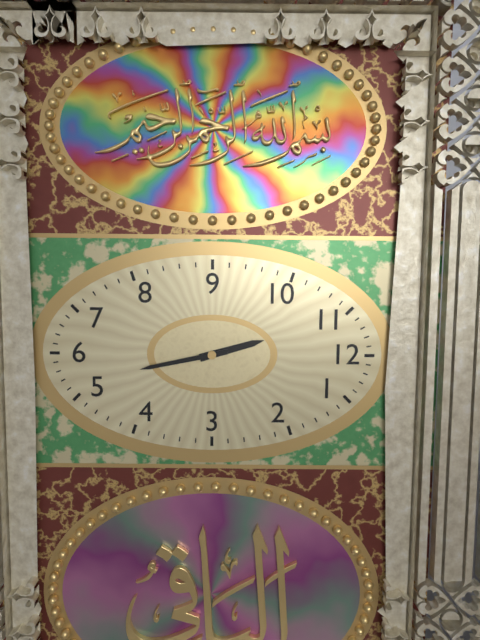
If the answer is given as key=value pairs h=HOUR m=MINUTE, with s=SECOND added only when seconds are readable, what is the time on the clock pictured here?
h=11 m=28
